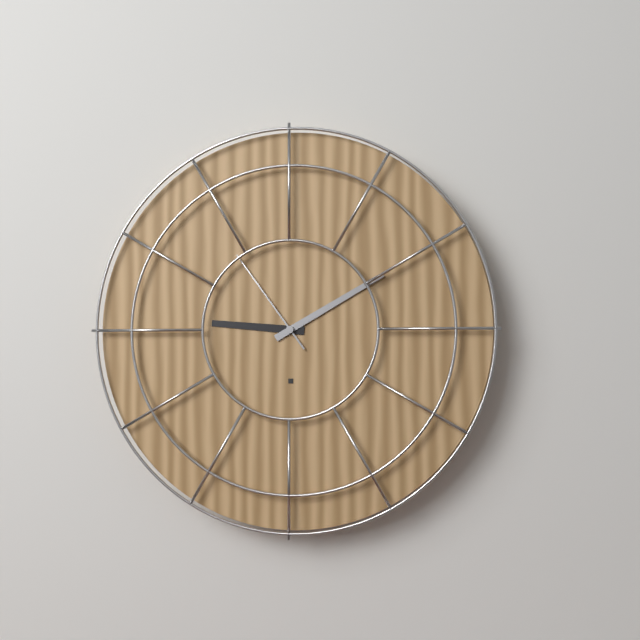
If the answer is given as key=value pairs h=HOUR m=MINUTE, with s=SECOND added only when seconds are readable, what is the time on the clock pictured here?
h=9 m=10 s=54
